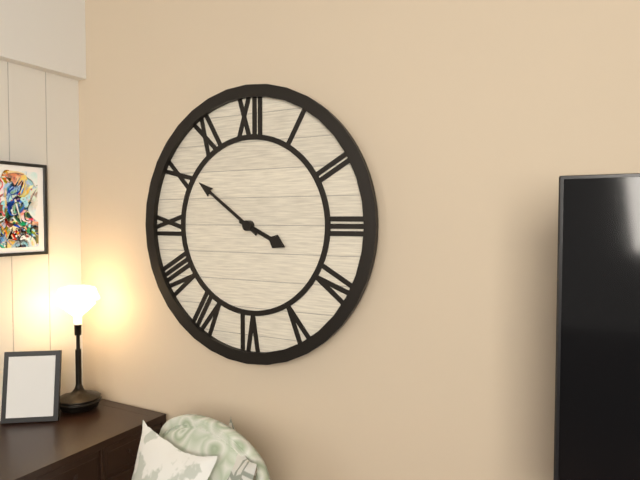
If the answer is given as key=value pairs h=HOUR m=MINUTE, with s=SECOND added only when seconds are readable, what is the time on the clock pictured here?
h=3 m=51
